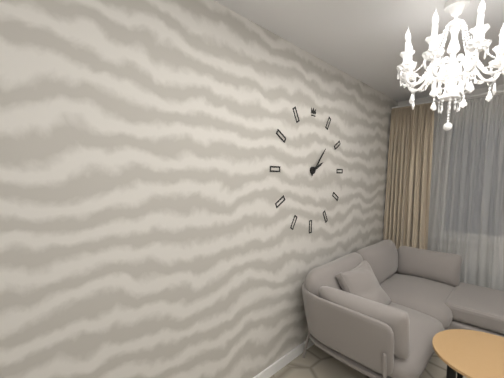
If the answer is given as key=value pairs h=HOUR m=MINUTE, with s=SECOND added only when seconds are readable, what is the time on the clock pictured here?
h=2 m=7
